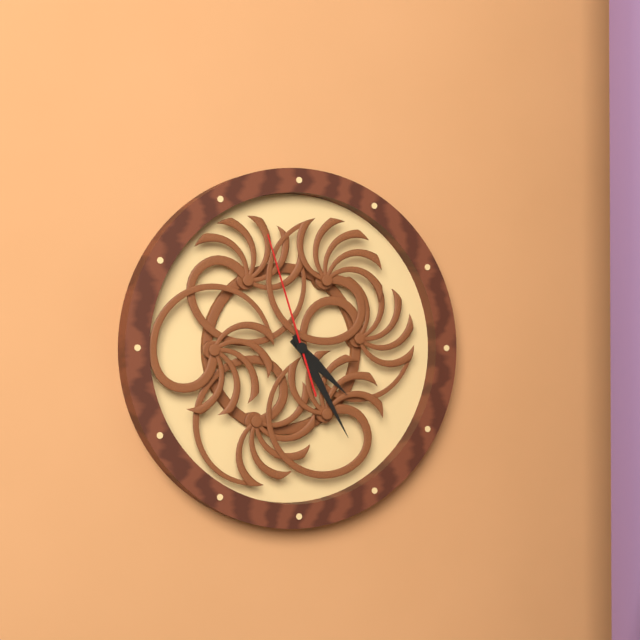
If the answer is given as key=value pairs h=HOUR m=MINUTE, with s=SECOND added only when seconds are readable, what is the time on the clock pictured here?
h=4 m=25 s=57
